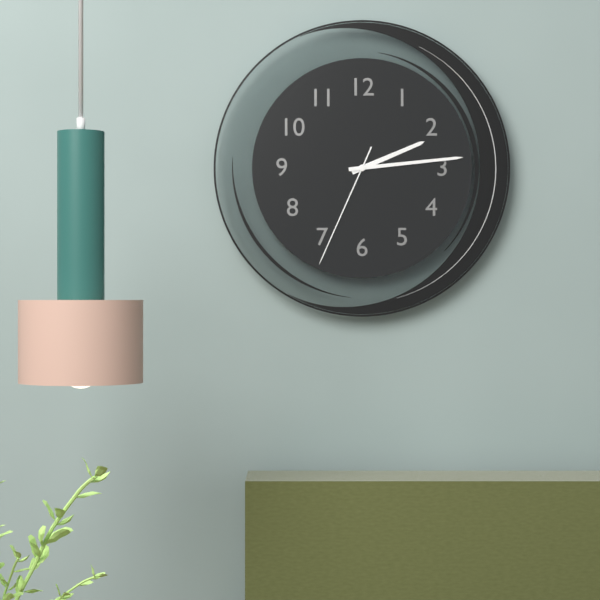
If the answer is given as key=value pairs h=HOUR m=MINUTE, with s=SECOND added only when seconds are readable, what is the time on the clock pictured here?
h=2 m=14 s=34
